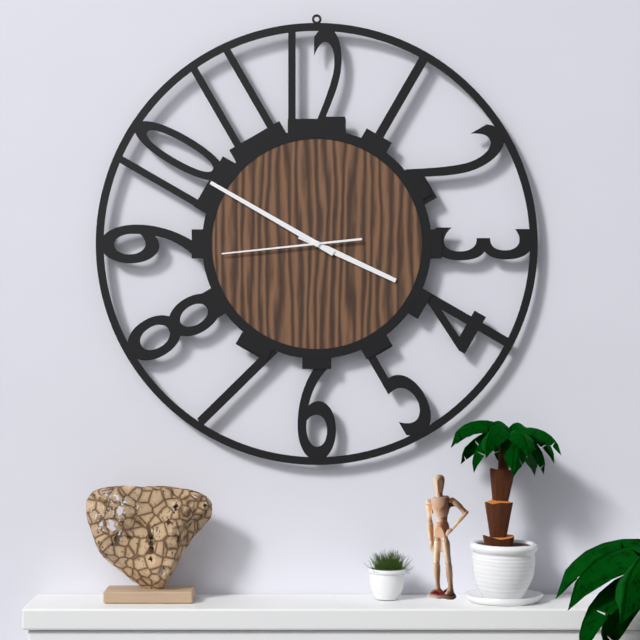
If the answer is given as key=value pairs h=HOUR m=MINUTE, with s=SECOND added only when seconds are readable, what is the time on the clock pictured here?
h=3 m=50 s=44
